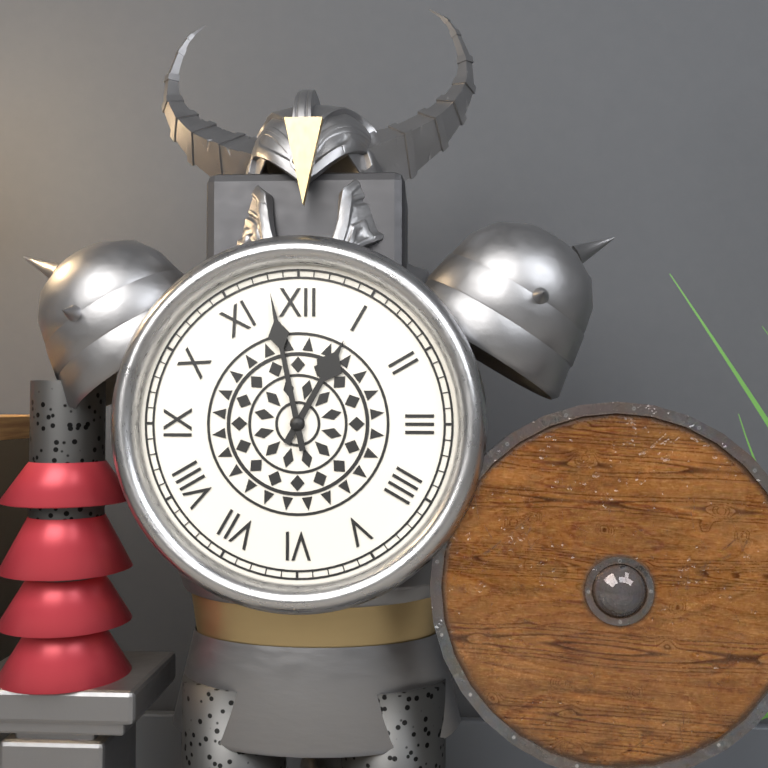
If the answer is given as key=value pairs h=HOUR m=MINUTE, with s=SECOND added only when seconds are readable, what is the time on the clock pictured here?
h=12 m=58
